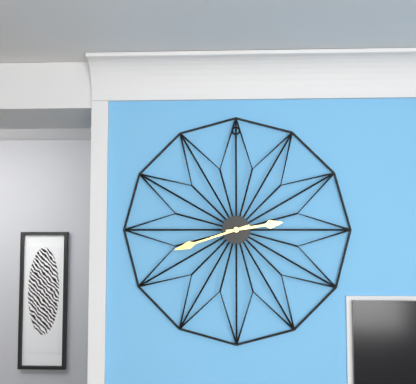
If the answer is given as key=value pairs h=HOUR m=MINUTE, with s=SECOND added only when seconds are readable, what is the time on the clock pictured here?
h=2 m=42
